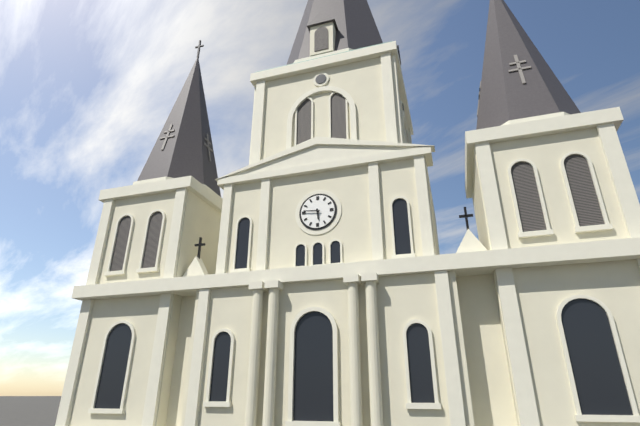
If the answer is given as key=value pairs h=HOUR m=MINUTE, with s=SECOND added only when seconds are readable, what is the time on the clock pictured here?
h=5 m=46
